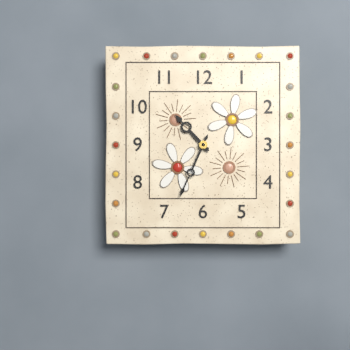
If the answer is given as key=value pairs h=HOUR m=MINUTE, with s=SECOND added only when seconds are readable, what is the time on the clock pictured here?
h=10 m=34
